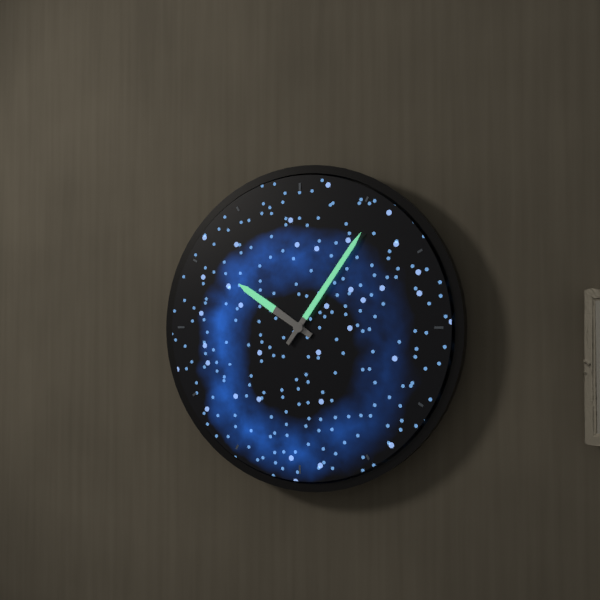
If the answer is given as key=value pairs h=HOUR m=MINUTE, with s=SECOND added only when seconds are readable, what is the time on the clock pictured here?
h=10 m=6
